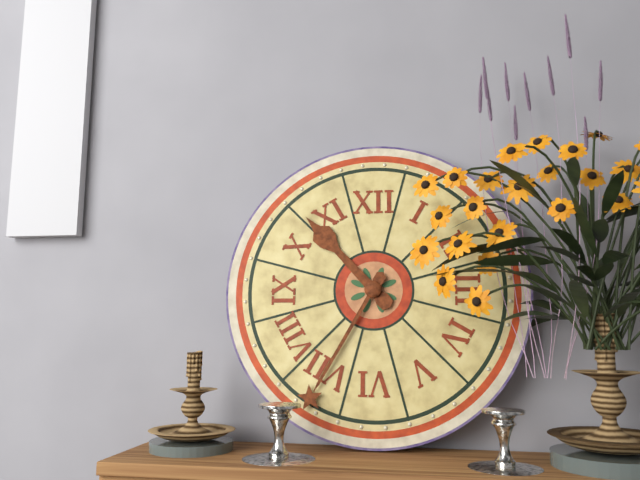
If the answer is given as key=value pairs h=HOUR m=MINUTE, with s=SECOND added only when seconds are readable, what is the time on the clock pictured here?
h=10 m=35
